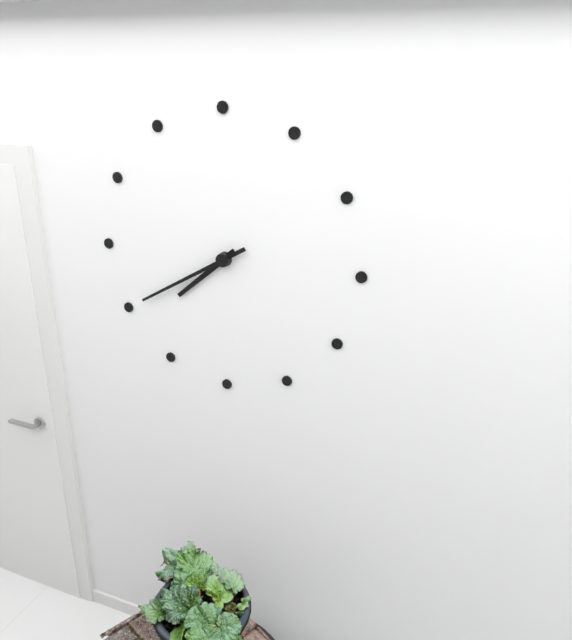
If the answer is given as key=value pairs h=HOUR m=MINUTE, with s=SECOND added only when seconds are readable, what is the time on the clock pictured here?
h=7 m=40
